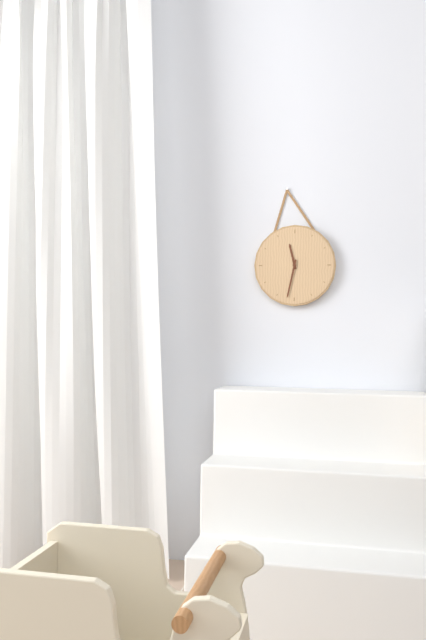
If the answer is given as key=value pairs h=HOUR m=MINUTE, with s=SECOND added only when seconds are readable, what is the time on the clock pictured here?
h=11 m=32
